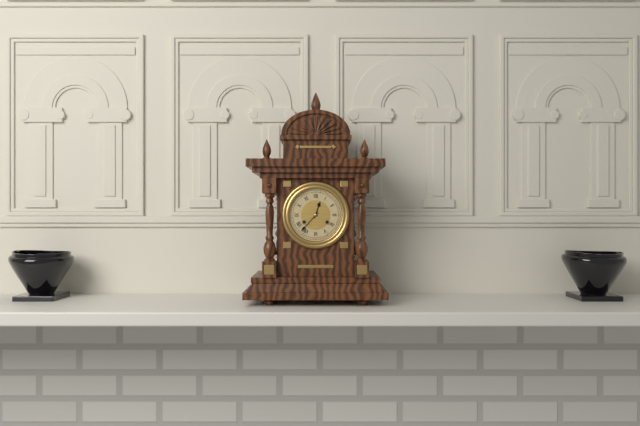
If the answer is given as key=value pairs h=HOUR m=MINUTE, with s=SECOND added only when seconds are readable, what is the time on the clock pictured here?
h=12 m=37
